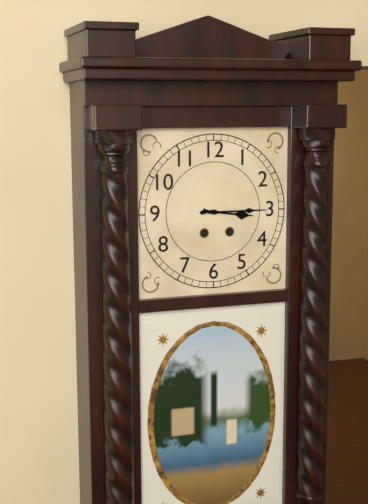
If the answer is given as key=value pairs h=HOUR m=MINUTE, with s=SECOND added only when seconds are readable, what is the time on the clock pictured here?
h=3 m=15
